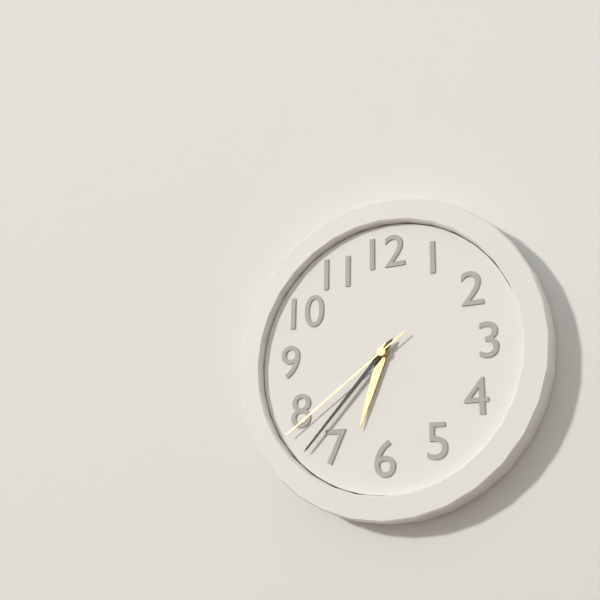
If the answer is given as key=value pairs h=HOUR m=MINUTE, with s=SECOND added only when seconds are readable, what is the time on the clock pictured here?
h=6 m=37 s=39
